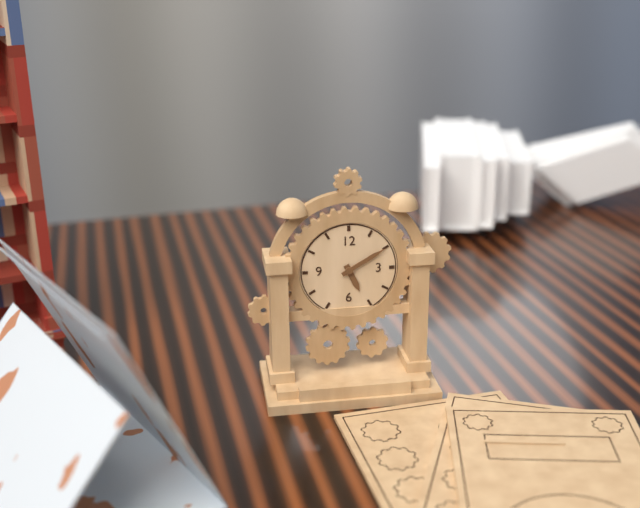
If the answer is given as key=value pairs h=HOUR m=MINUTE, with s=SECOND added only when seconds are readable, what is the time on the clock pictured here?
h=5 m=10
